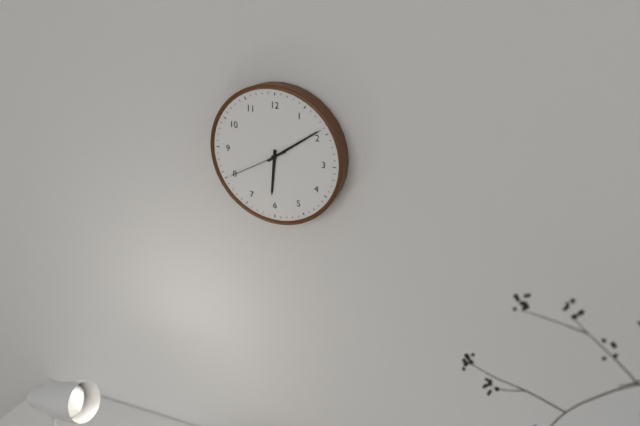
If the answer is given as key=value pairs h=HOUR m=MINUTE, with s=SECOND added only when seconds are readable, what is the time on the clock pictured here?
h=6 m=9 s=40
